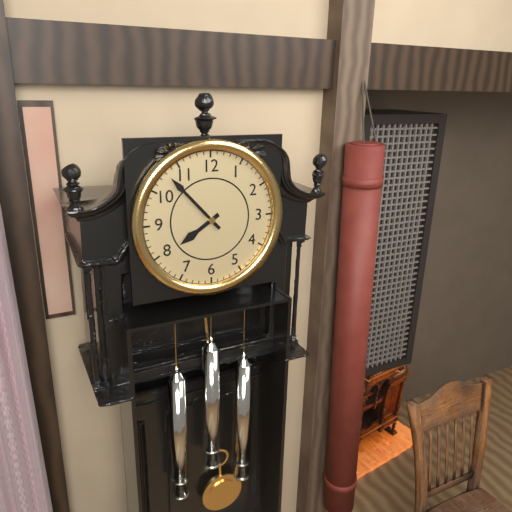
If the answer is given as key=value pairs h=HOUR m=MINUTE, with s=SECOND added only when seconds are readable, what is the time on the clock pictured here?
h=7 m=53
